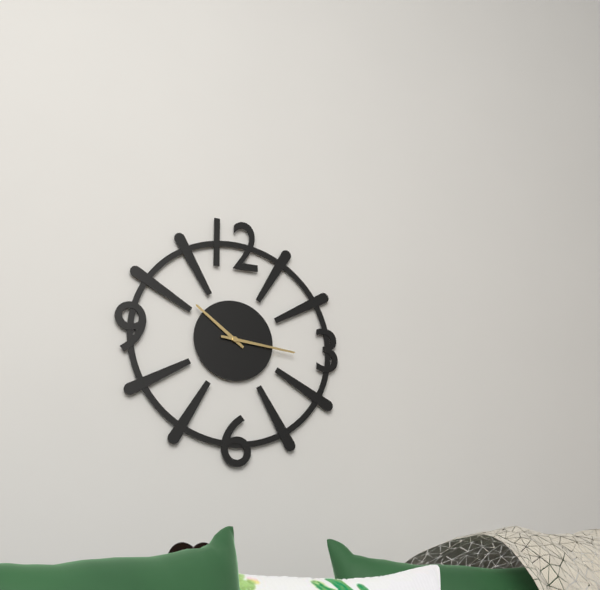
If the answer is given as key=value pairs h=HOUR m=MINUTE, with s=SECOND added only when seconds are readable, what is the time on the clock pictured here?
h=10 m=16
